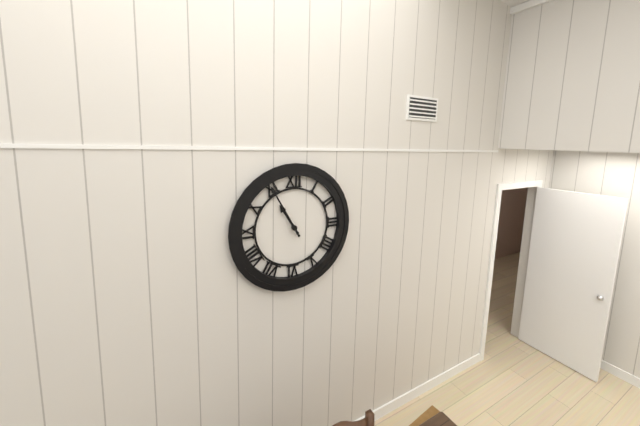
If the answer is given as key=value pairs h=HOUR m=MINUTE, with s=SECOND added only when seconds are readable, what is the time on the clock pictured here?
h=10 m=55
